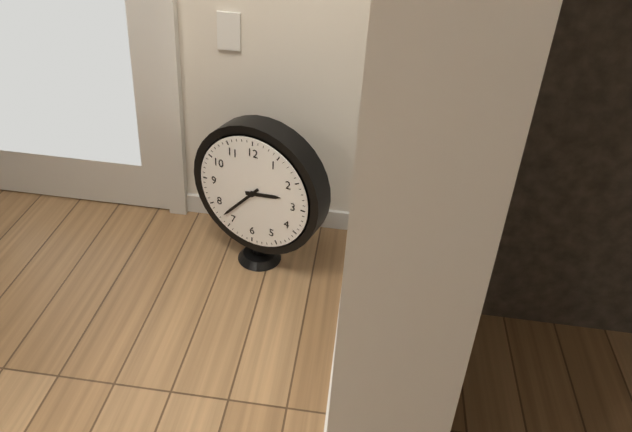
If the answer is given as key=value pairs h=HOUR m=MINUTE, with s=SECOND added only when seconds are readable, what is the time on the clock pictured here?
h=2 m=37
